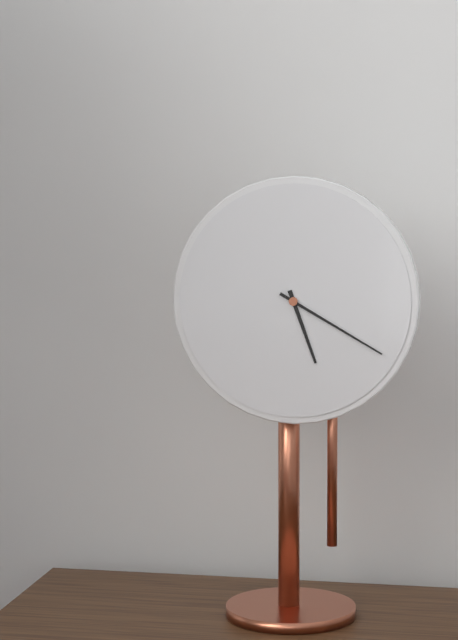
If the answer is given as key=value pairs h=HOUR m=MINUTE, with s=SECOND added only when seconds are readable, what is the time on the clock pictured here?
h=5 m=20
